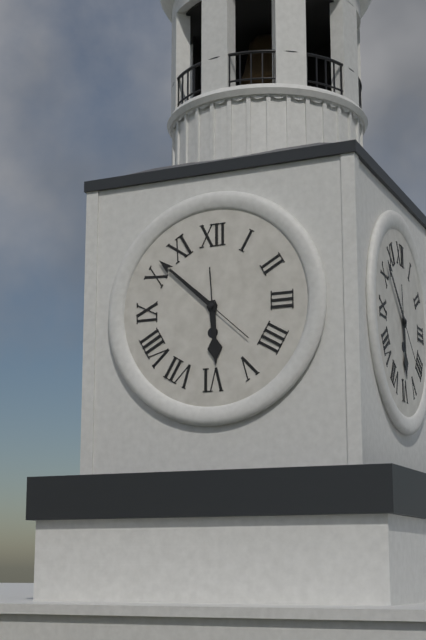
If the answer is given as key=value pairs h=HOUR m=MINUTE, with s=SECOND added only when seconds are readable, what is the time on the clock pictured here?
h=5 m=52
